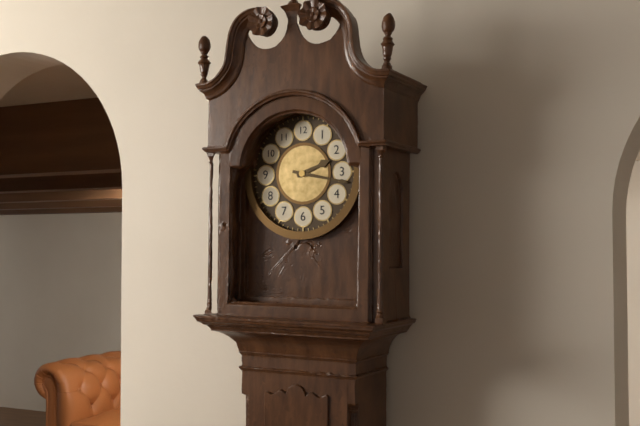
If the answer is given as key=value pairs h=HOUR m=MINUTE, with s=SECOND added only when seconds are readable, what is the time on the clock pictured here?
h=2 m=17
